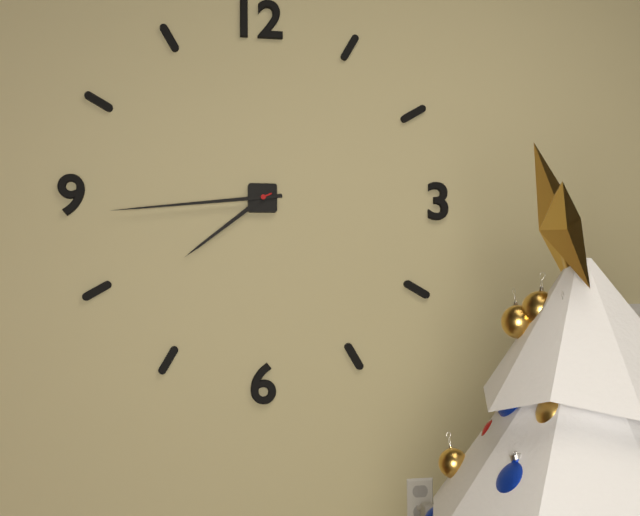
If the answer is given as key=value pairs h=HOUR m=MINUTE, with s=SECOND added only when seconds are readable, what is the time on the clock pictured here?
h=7 m=44
